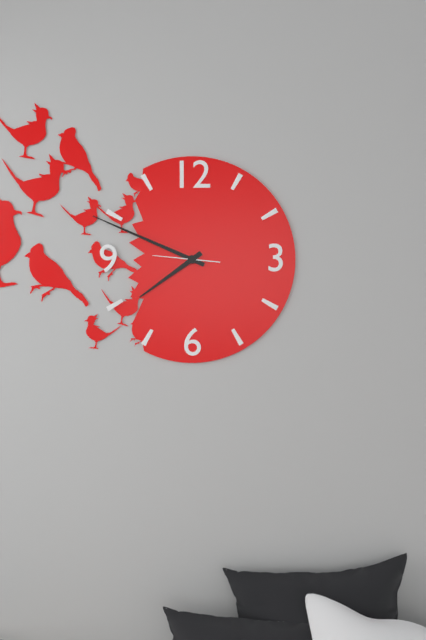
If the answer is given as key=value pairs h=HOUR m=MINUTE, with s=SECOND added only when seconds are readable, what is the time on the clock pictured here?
h=7 m=49 s=46
